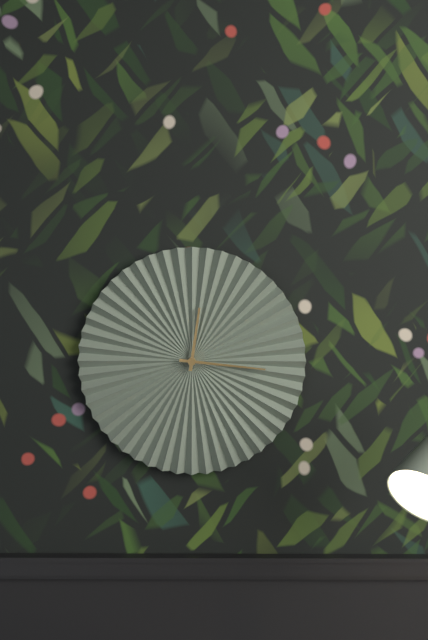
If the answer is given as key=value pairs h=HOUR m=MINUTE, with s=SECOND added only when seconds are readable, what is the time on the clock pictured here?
h=12 m=16
